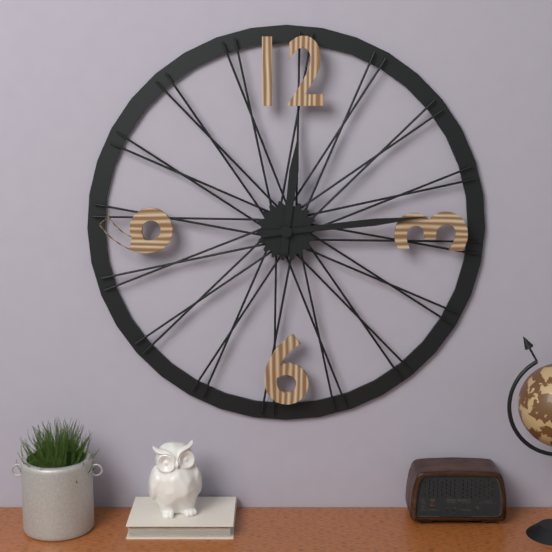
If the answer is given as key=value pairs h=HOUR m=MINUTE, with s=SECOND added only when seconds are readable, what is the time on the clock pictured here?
h=12 m=14
